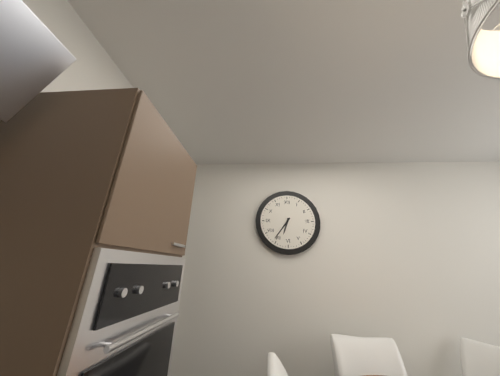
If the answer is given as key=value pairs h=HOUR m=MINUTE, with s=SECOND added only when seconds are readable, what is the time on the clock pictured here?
h=6 m=36
